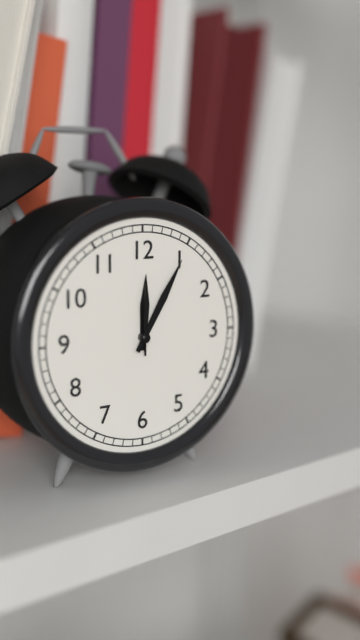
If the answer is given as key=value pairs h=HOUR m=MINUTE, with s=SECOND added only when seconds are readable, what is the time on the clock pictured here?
h=12 m=5 s=0
